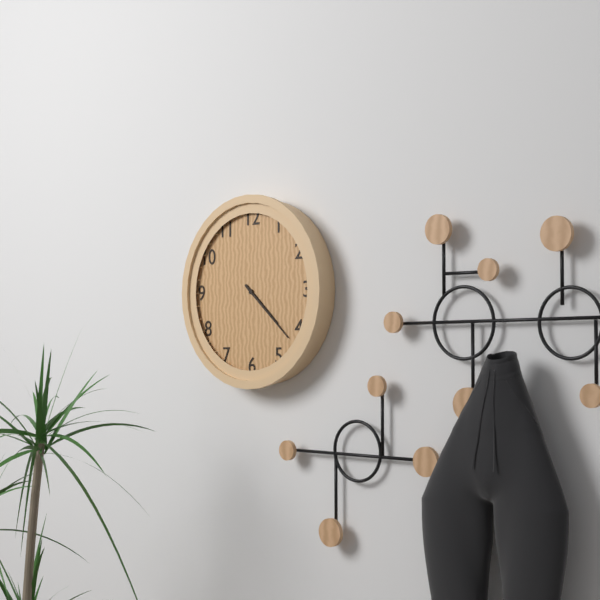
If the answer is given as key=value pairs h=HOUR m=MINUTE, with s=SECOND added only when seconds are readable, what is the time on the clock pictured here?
h=4 m=22
